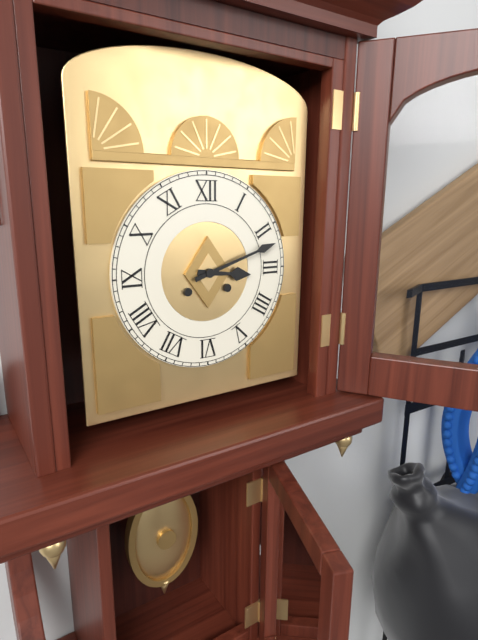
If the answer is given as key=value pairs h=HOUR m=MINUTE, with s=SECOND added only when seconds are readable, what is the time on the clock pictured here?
h=3 m=12
